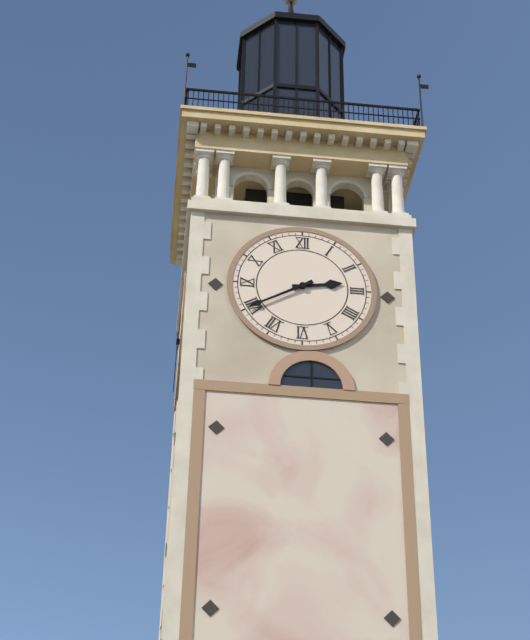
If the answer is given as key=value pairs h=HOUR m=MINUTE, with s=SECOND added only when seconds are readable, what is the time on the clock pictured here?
h=2 m=40
